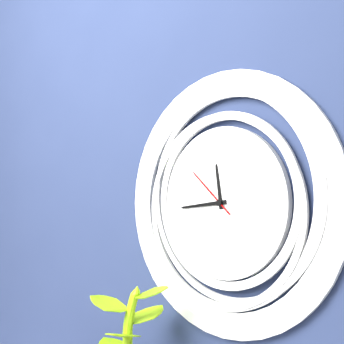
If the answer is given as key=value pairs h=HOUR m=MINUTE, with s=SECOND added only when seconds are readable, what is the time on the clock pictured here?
h=11 m=44 s=52
